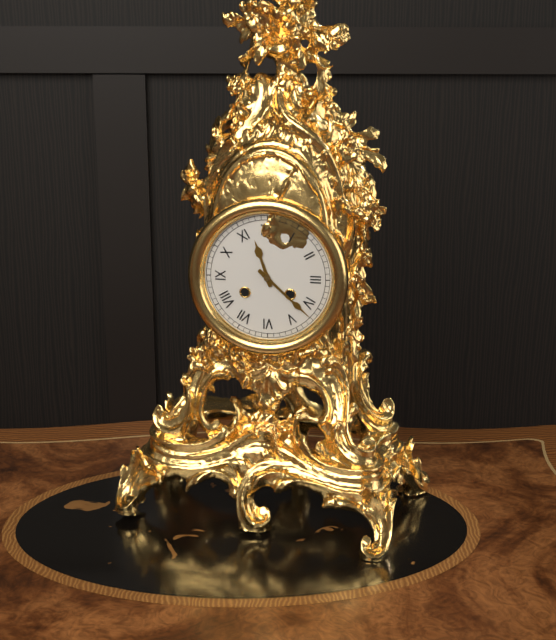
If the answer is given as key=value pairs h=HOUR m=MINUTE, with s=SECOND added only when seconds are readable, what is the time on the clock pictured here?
h=11 m=22
